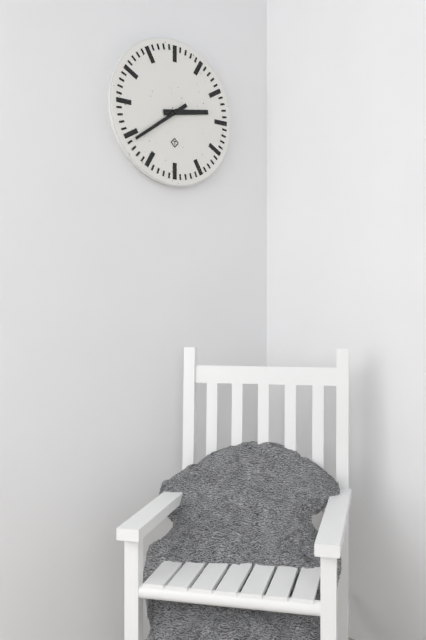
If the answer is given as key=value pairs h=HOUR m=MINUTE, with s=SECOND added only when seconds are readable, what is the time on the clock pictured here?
h=2 m=39
